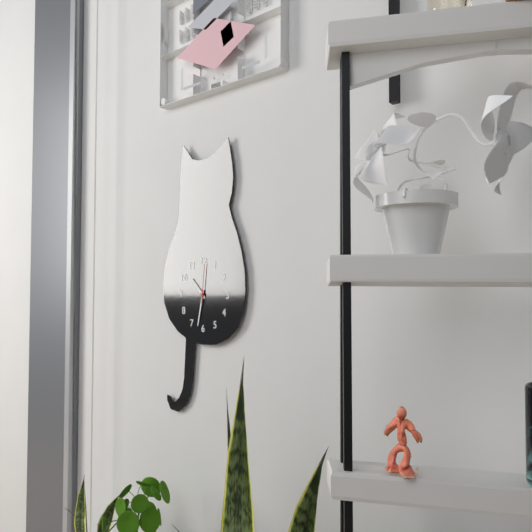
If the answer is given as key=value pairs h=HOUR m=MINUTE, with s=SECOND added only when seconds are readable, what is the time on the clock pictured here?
h=10 m=32
